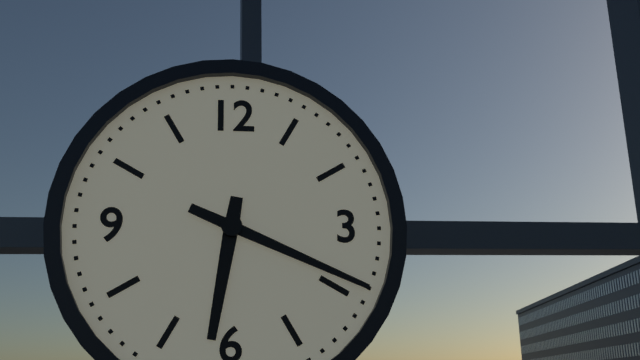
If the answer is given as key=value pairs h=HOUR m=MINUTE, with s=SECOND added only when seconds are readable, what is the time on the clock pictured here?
h=6 m=19
